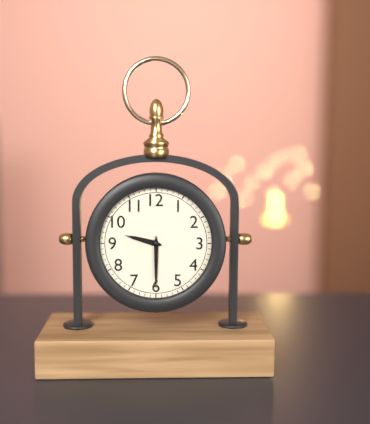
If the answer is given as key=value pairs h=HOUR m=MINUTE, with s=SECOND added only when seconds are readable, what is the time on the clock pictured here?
h=9 m=30
